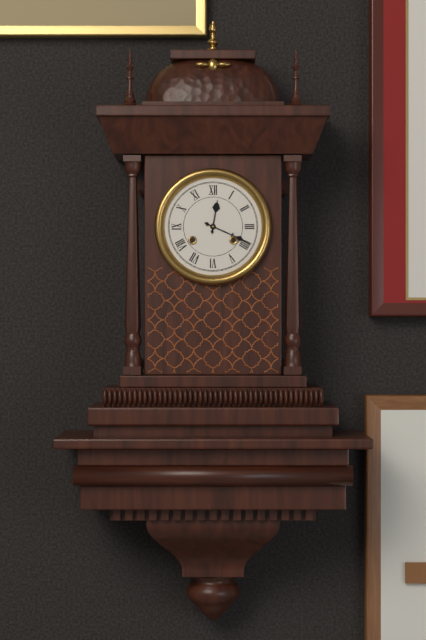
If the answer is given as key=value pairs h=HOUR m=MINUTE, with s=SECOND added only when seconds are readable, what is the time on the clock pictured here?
h=12 m=19
